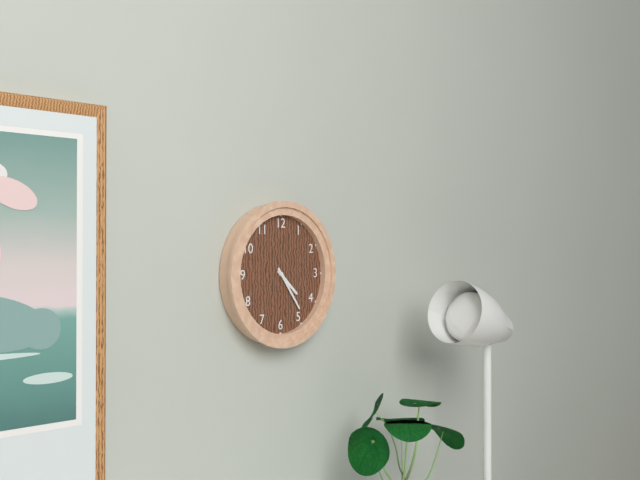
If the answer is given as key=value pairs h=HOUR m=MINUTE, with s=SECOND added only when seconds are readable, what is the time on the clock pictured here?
h=4 m=24
